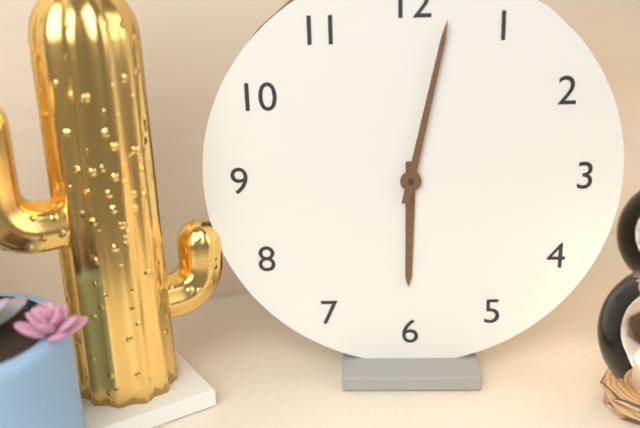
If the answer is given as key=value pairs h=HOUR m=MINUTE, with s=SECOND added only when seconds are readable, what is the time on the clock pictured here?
h=6 m=2
